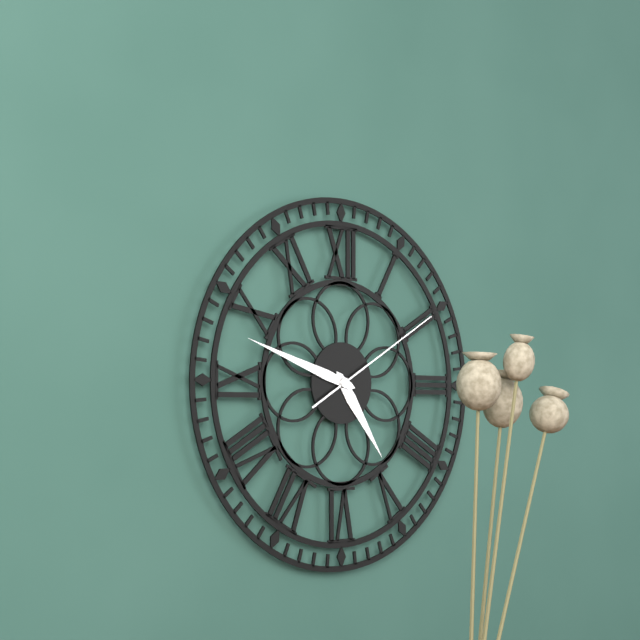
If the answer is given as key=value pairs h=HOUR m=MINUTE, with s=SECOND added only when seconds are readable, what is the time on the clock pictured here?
h=4 m=48 s=10
